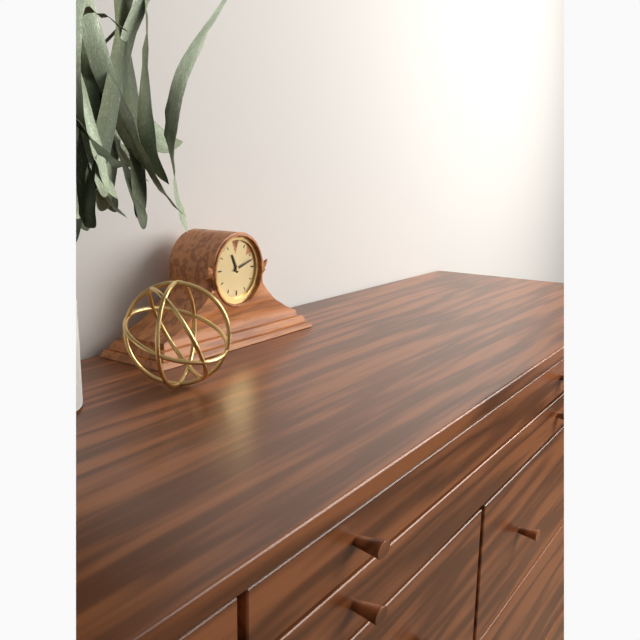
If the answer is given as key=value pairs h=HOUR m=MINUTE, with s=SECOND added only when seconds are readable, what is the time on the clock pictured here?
h=11 m=12
